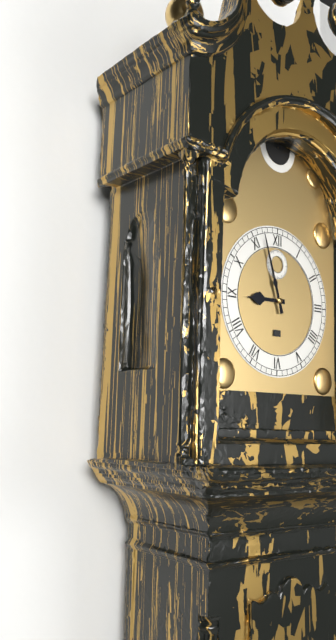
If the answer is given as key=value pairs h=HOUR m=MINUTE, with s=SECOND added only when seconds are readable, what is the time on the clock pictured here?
h=8 m=57
